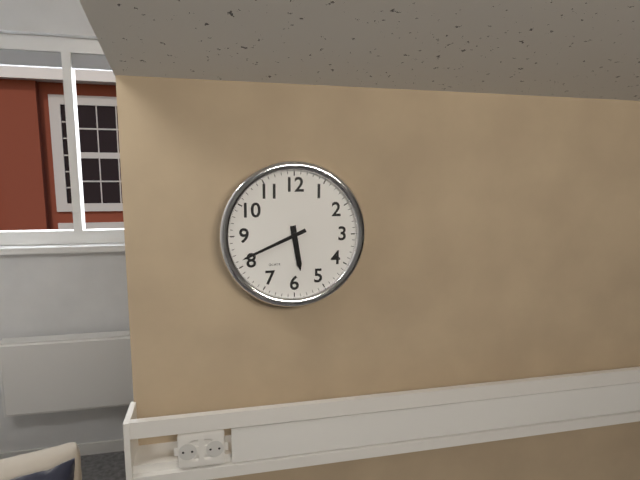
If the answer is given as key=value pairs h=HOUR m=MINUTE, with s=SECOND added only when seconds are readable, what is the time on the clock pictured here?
h=5 m=41
